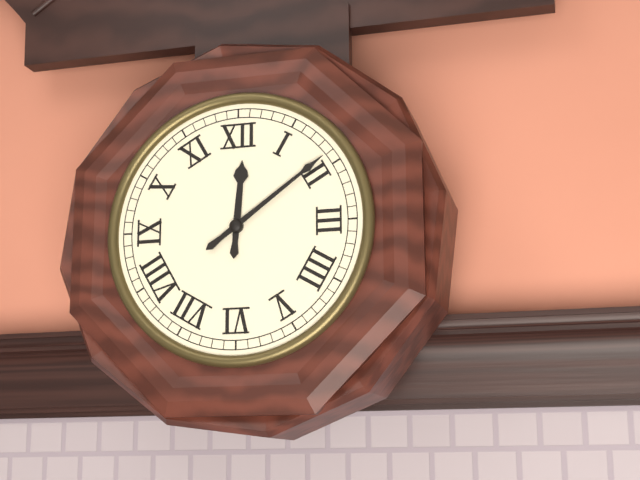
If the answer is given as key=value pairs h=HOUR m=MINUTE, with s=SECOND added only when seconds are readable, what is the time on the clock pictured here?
h=12 m=9
